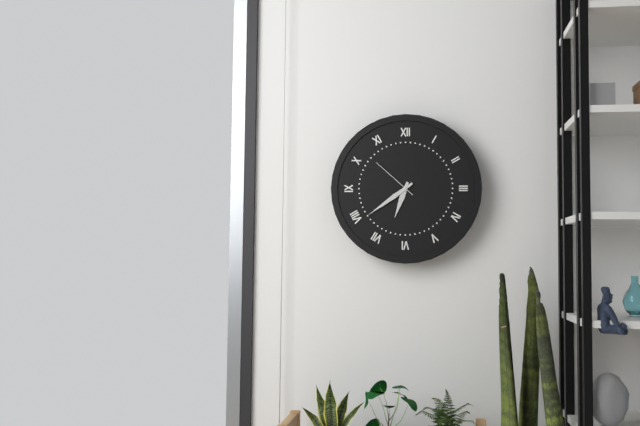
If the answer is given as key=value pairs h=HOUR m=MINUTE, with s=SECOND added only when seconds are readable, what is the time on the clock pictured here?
h=6 m=39
